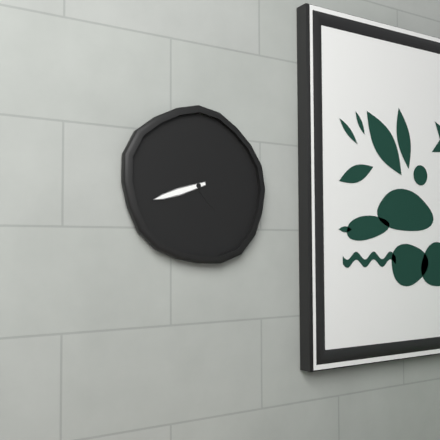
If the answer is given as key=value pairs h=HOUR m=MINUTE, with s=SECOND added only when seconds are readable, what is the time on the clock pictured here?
h=4 m=42
